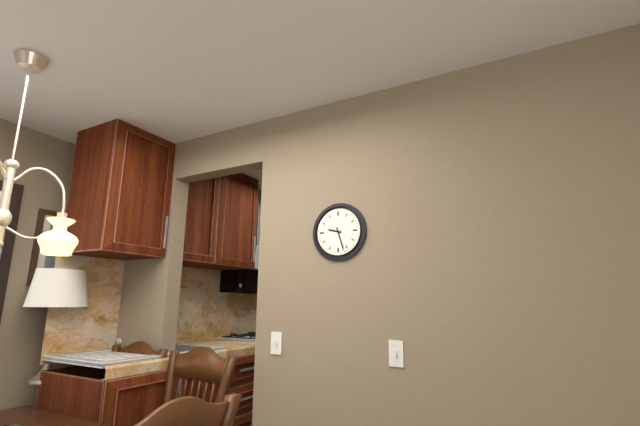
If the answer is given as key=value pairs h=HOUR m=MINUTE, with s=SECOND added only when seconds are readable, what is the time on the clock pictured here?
h=9 m=27
